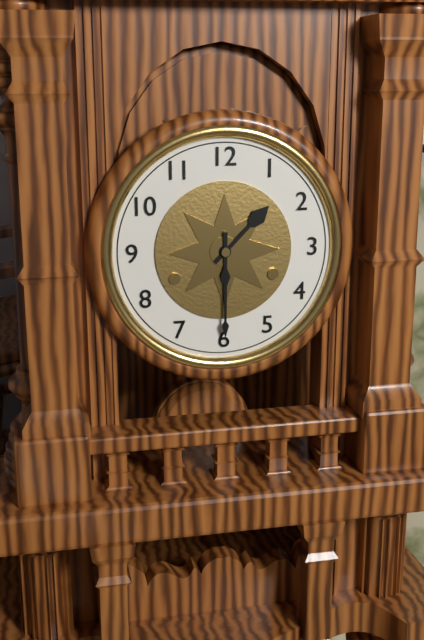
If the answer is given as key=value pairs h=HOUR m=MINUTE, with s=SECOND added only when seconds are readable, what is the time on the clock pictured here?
h=1 m=30
